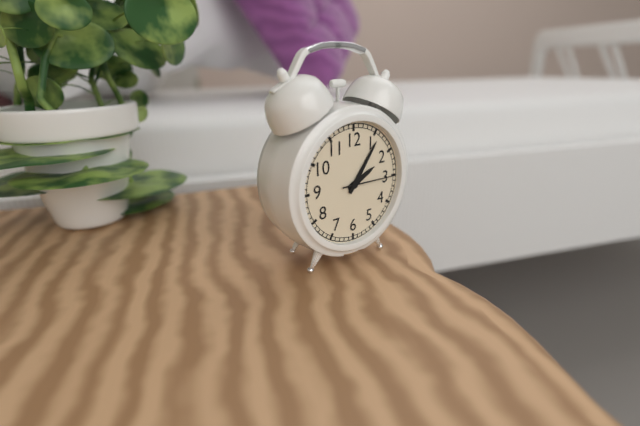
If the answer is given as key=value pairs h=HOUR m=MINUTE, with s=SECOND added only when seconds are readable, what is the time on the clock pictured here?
h=2 m=6
